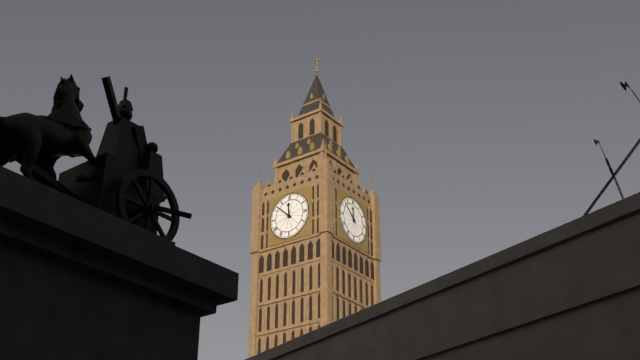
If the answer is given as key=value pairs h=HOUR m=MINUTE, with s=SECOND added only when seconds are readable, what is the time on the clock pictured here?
h=11 m=52
